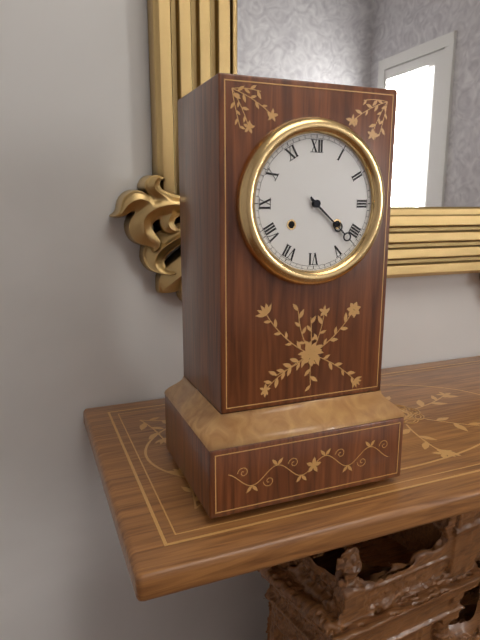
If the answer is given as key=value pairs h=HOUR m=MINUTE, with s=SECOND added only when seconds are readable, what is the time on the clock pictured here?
h=4 m=22
